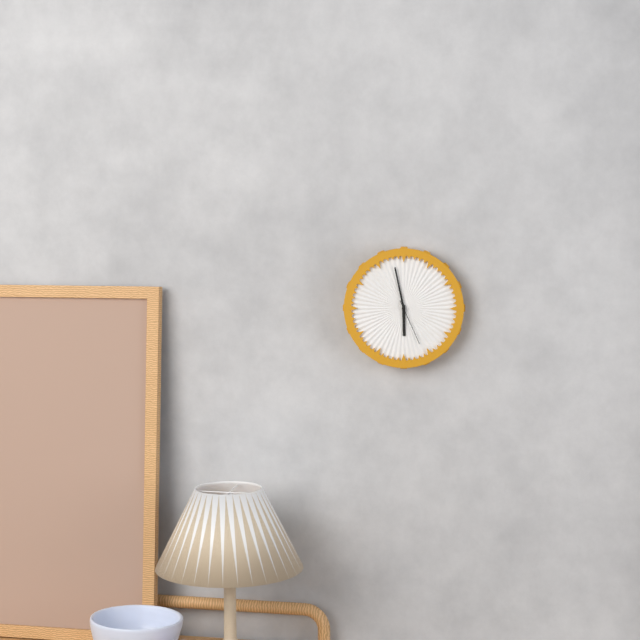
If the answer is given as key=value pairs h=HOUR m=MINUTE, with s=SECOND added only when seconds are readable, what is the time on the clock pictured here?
h=5 m=58
